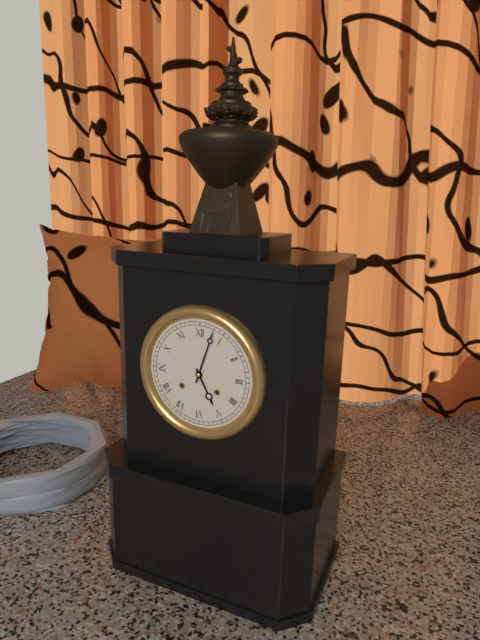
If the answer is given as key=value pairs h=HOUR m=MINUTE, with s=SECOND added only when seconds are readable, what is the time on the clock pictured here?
h=5 m=3
